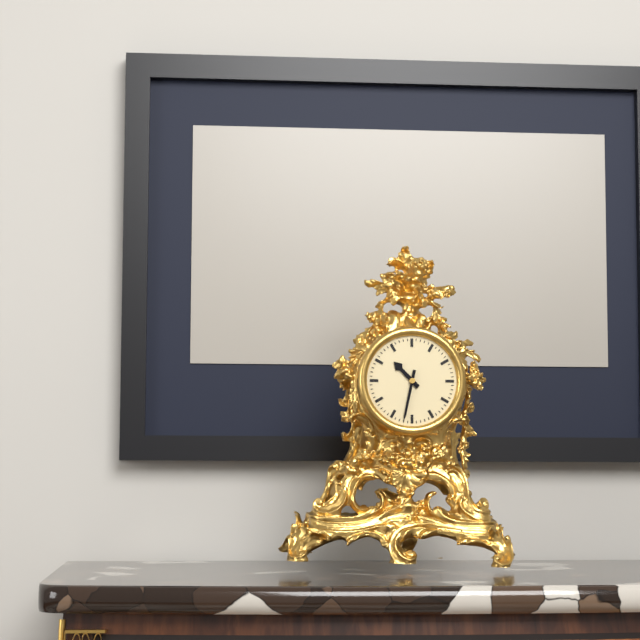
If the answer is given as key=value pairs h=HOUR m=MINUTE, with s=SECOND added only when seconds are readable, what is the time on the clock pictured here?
h=10 m=32
